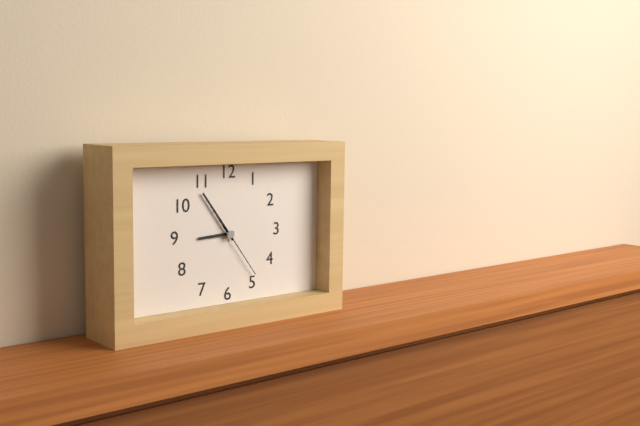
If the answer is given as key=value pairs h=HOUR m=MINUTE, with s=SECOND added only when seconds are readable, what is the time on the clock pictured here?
h=8 m=54 s=24
